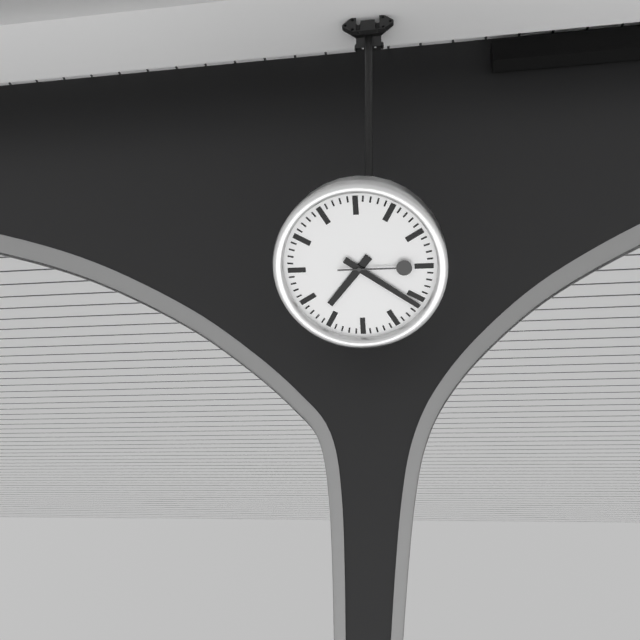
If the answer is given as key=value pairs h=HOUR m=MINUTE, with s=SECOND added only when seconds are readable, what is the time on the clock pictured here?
h=7 m=21 s=15
